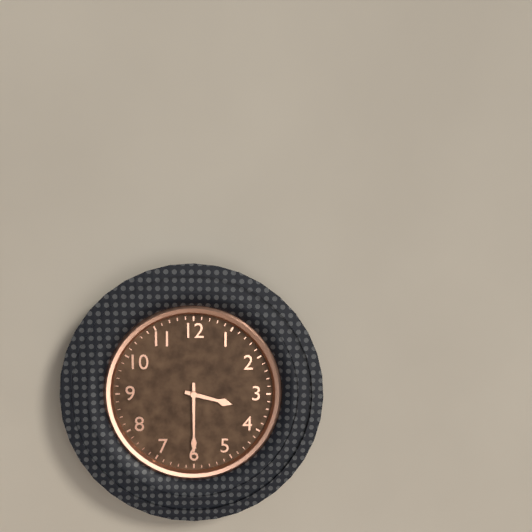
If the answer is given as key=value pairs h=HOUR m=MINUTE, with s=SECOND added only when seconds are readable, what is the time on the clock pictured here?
h=3 m=30
